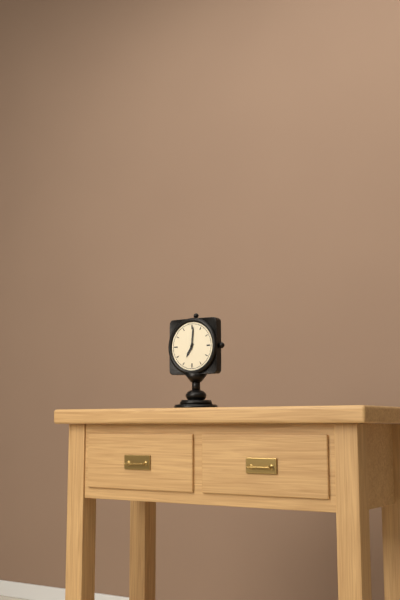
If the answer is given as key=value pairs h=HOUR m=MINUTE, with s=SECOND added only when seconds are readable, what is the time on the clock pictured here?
h=7 m=1
